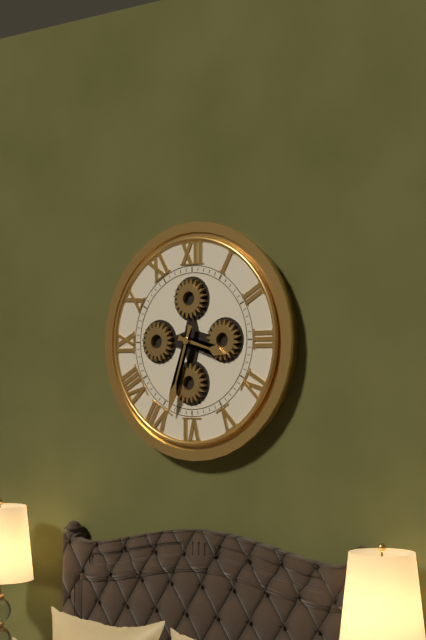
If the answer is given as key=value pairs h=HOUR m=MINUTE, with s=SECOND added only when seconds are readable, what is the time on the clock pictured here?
h=3 m=33
